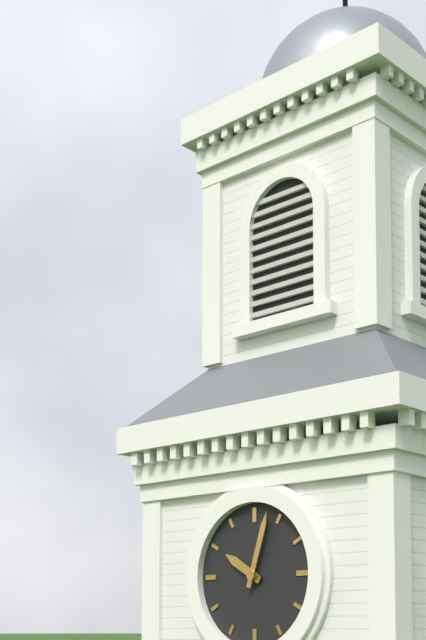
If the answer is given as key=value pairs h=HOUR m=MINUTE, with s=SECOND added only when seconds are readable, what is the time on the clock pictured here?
h=10 m=3
